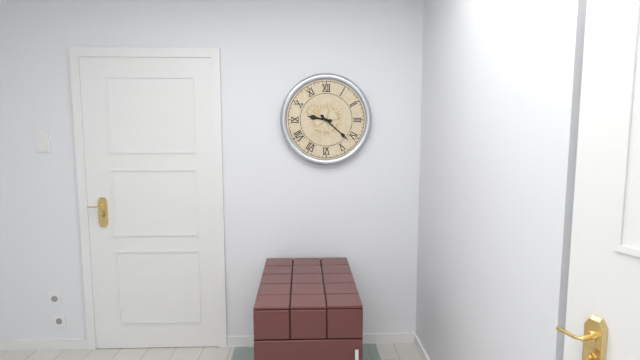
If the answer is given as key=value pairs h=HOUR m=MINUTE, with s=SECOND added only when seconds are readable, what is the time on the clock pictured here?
h=9 m=22
